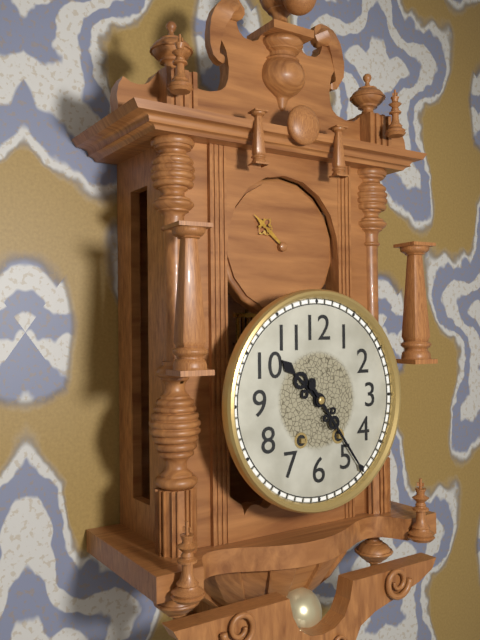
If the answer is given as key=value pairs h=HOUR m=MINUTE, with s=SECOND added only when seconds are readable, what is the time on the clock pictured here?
h=10 m=24
